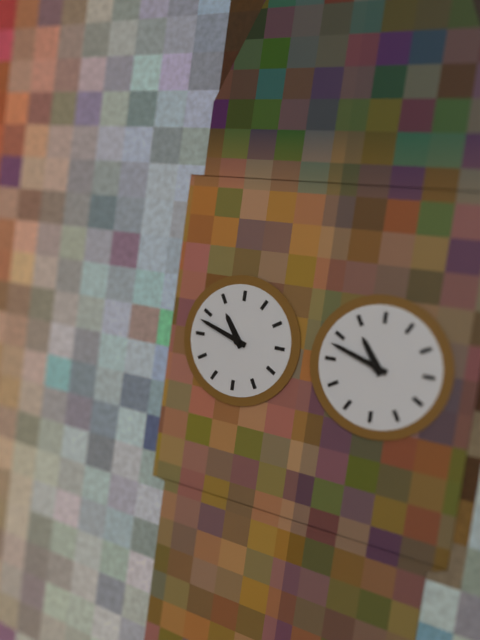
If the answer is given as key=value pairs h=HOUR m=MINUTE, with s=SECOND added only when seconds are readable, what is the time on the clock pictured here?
h=10 m=48
